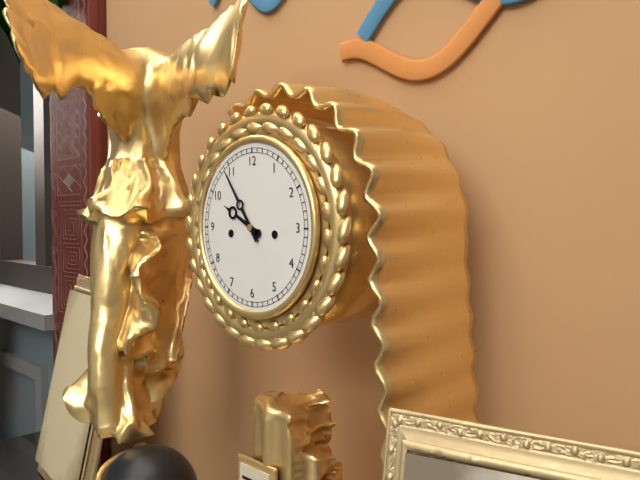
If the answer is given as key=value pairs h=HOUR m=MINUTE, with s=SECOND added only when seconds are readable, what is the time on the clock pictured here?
h=9 m=54
